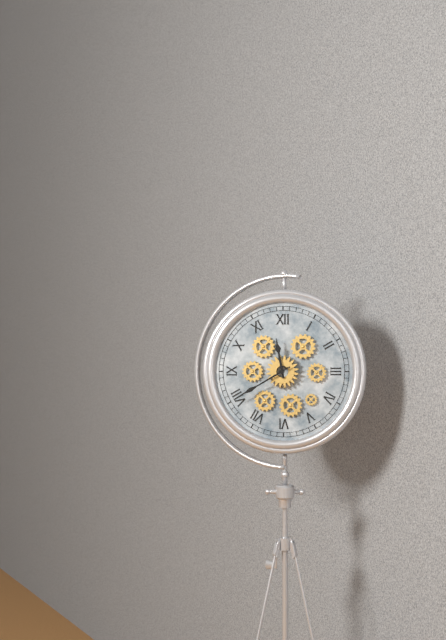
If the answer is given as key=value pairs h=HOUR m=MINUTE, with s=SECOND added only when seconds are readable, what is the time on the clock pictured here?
h=11 m=40
